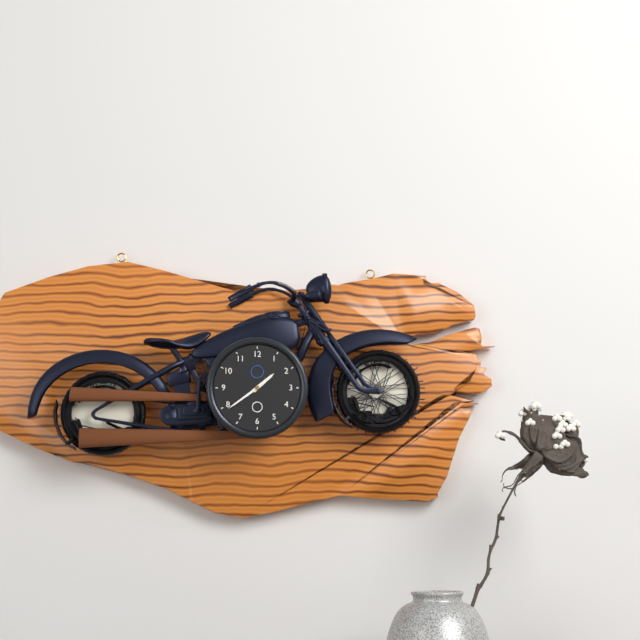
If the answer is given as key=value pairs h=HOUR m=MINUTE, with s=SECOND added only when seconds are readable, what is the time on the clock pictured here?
h=1 m=39
